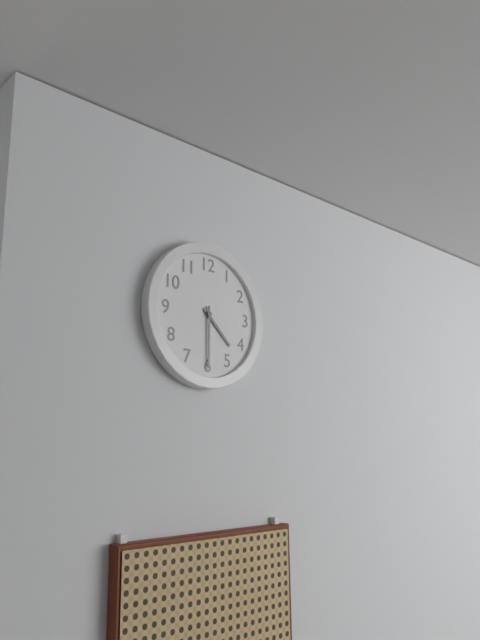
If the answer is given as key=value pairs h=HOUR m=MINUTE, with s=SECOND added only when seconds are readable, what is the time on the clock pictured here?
h=4 m=30
